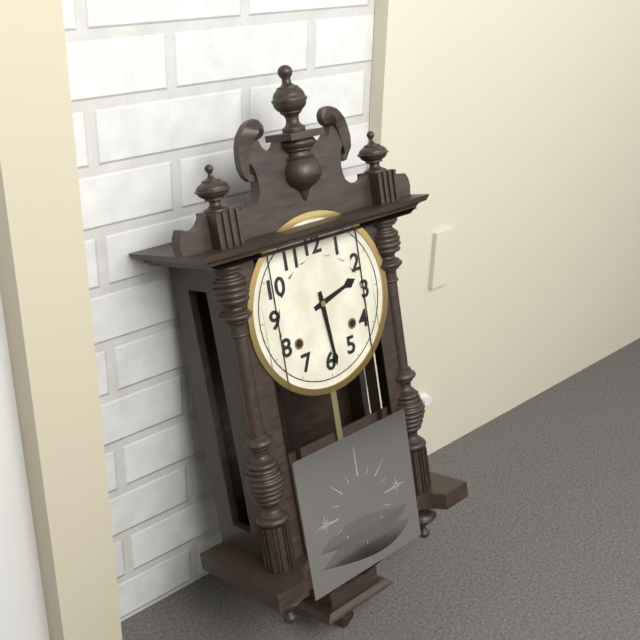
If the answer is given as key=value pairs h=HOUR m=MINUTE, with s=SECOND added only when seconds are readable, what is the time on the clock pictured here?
h=2 m=29
